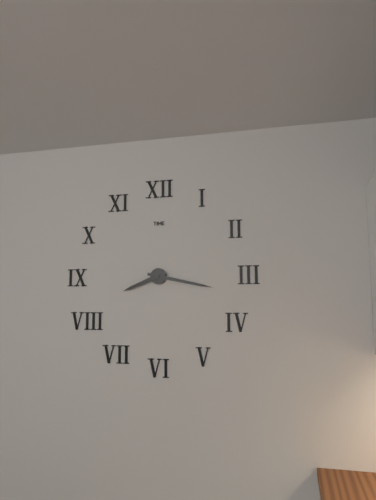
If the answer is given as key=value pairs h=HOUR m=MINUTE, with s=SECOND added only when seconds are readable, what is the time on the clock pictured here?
h=8 m=17
